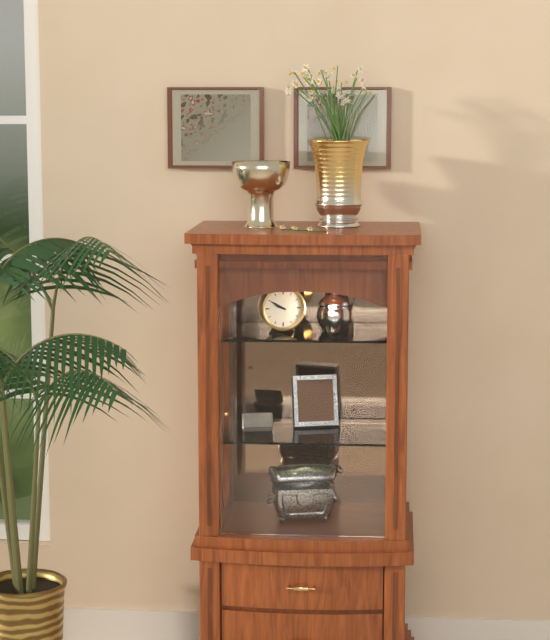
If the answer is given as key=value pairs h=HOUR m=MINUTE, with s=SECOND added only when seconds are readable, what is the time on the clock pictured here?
h=9 m=50
